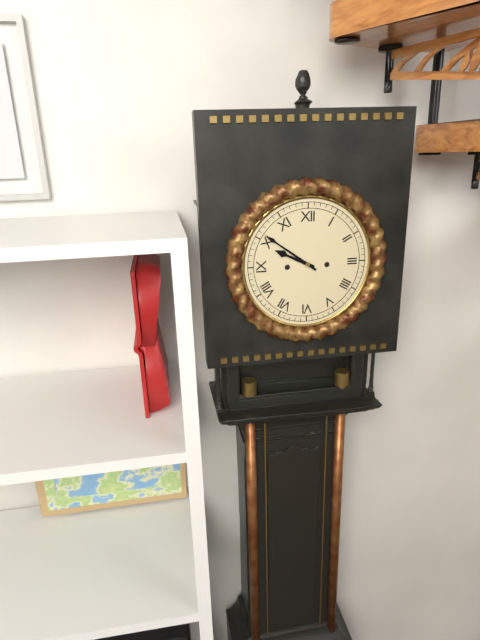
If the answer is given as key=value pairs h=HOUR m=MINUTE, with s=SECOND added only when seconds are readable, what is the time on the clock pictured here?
h=9 m=51
